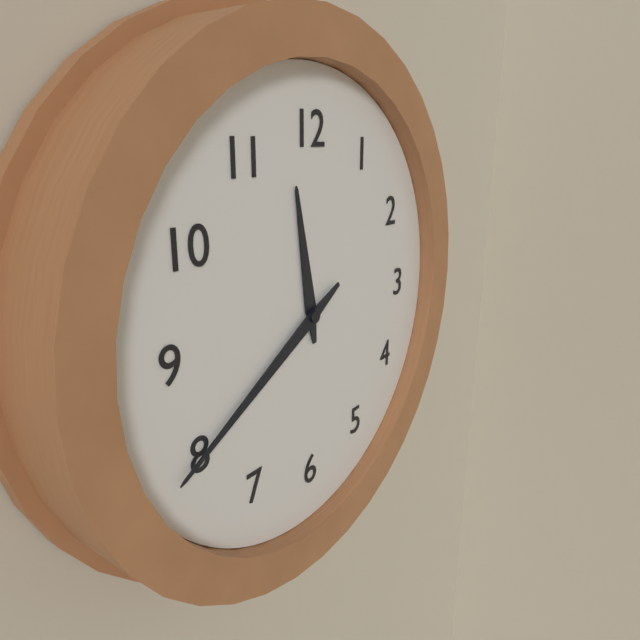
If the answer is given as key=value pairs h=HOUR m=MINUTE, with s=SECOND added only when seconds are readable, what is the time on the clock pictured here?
h=11 m=40
